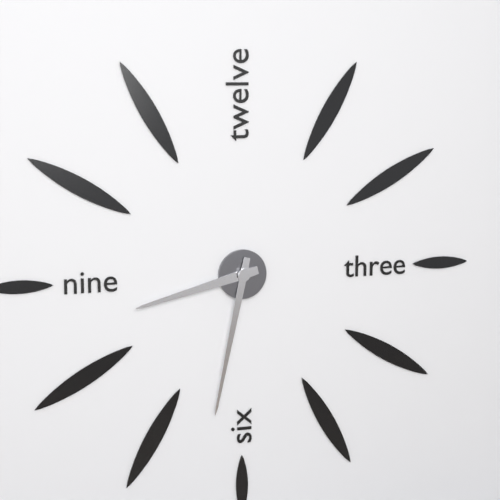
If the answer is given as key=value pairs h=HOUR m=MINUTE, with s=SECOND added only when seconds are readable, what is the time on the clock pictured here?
h=8 m=32
